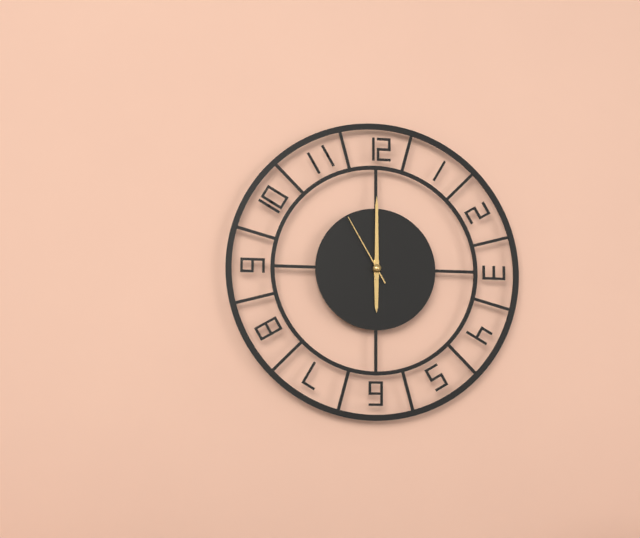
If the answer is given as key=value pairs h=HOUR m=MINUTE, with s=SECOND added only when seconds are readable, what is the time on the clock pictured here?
h=6 m=0 s=55
